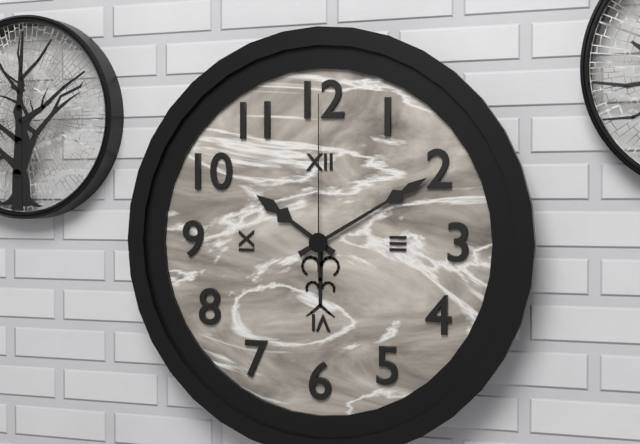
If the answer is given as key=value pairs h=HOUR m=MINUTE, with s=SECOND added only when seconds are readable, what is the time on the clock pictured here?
h=10 m=10 s=0
